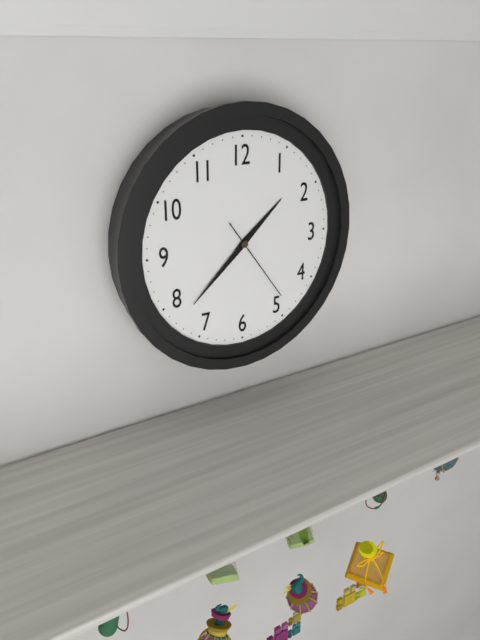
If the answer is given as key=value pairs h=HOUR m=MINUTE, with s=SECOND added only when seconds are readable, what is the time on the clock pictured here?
h=1 m=38 s=24
